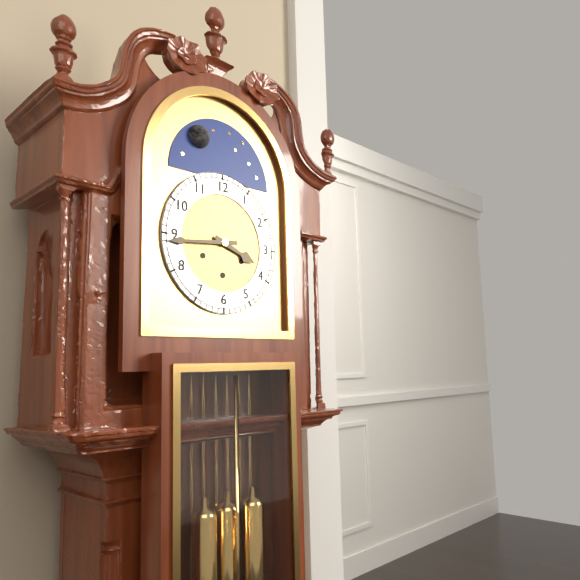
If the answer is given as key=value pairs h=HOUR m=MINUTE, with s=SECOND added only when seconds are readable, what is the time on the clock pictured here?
h=3 m=44
